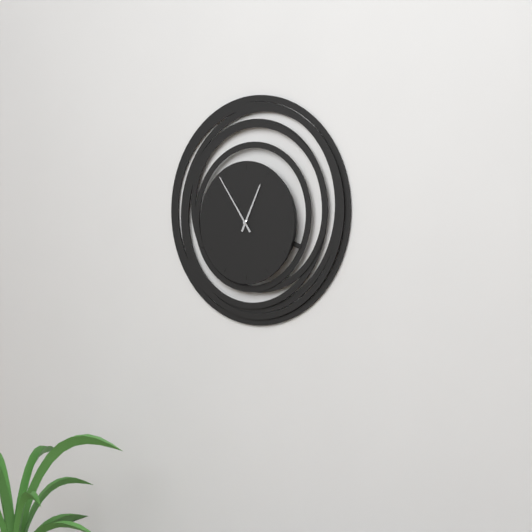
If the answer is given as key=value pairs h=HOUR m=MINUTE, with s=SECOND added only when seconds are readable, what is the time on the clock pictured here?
h=12 m=54
